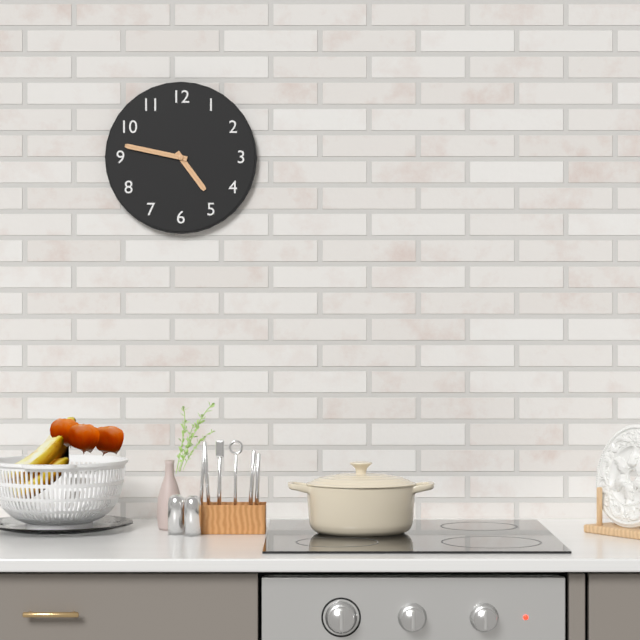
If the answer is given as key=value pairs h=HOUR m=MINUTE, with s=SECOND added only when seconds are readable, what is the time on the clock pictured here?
h=4 m=47
